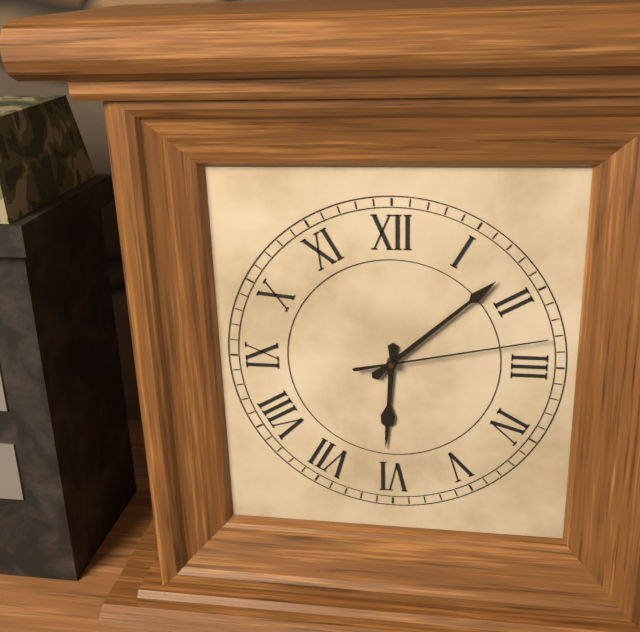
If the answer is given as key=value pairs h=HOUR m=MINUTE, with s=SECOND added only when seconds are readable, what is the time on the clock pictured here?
h=6 m=8 s=13
